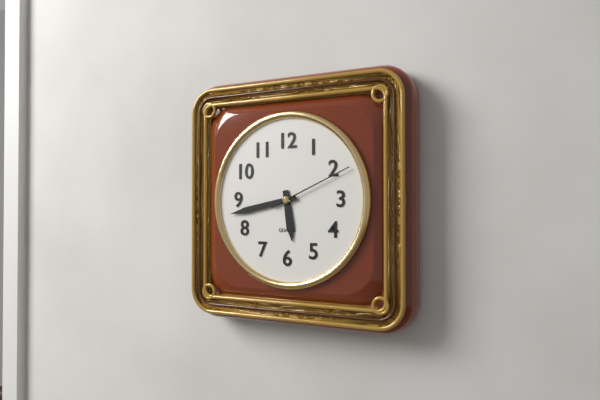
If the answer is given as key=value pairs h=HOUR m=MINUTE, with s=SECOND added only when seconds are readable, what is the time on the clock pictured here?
h=5 m=43 s=11
